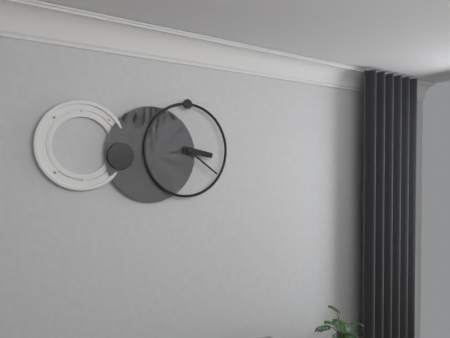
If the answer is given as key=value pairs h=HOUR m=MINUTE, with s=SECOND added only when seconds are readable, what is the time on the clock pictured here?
h=3 m=21
